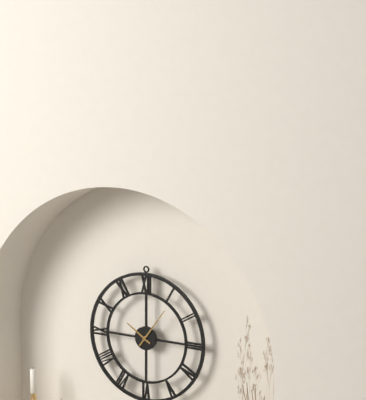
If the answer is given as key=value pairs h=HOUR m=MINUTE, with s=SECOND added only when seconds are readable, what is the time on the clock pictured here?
h=10 m=6
